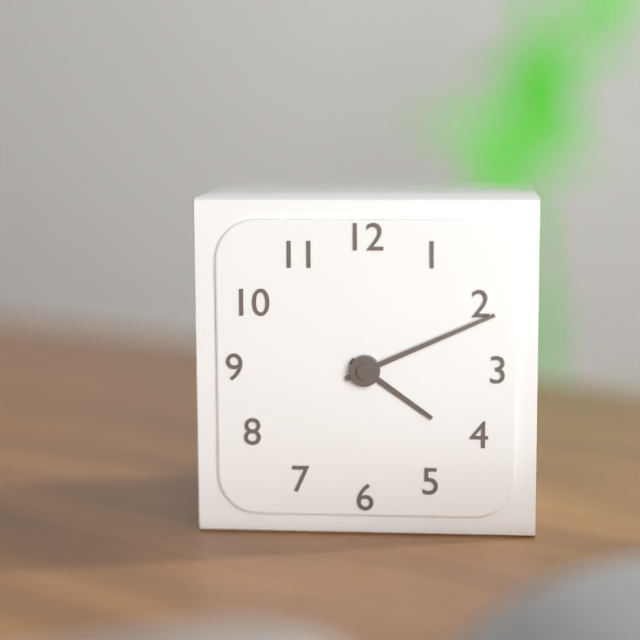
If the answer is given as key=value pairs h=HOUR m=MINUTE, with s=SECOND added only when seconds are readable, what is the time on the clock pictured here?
h=4 m=11
